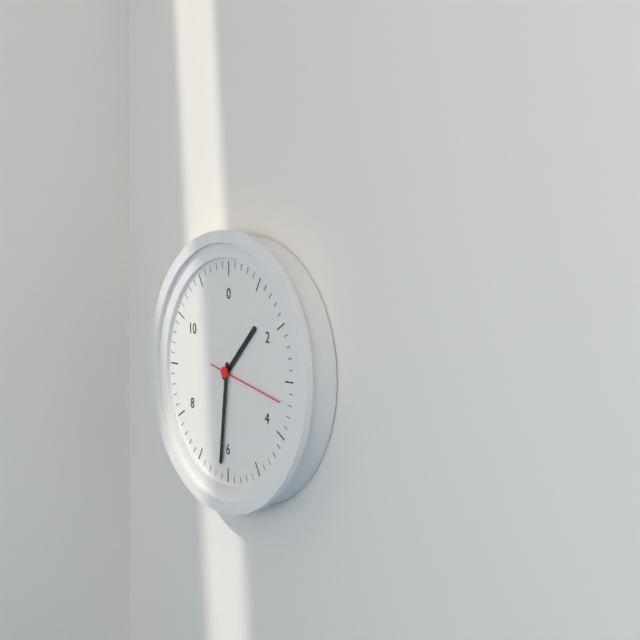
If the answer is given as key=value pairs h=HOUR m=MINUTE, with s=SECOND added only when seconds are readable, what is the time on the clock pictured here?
h=1 m=31 s=17
